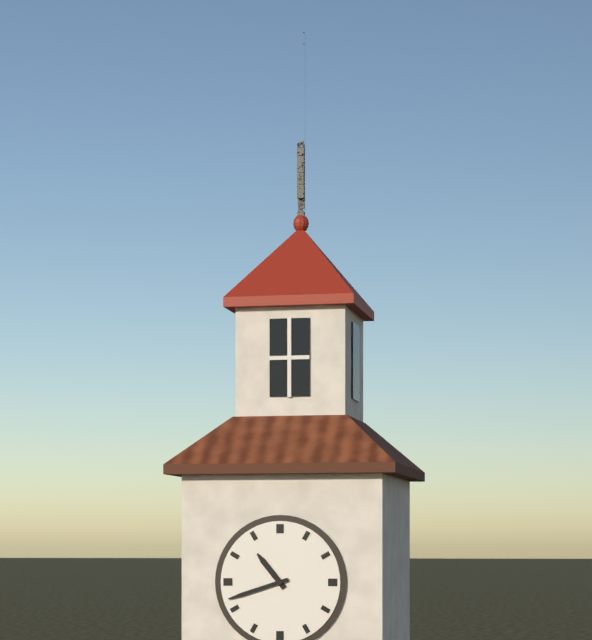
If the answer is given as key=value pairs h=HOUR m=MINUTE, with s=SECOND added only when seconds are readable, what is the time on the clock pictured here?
h=10 m=42
